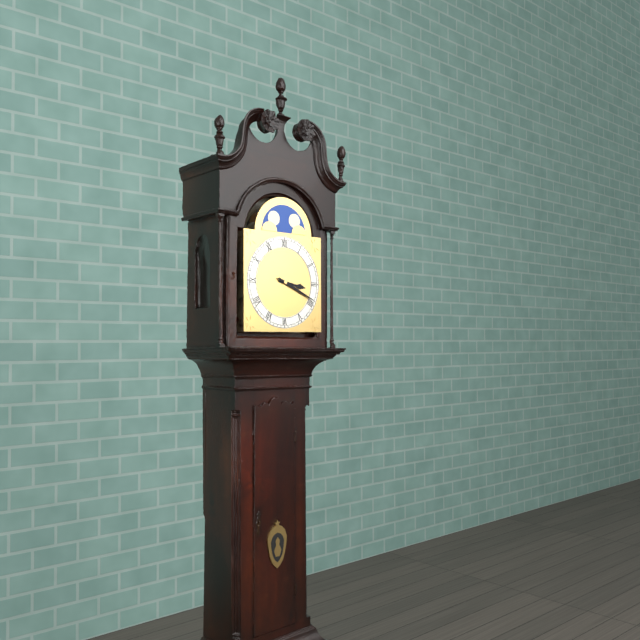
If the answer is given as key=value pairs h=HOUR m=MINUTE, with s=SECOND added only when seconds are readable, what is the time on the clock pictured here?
h=3 m=19
